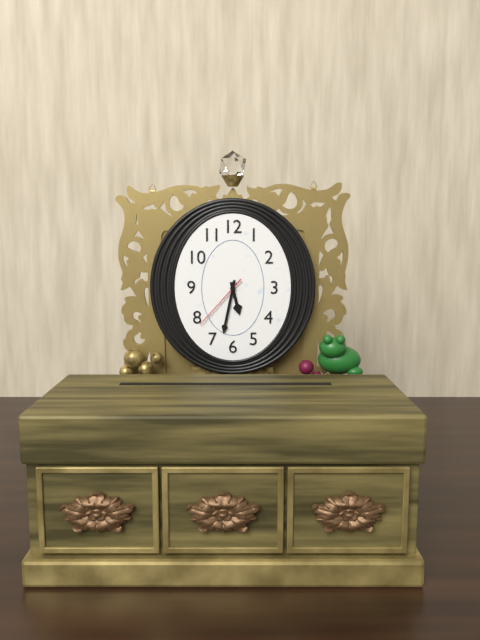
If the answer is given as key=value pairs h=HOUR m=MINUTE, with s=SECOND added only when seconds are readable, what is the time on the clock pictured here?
h=5 m=32 s=37
